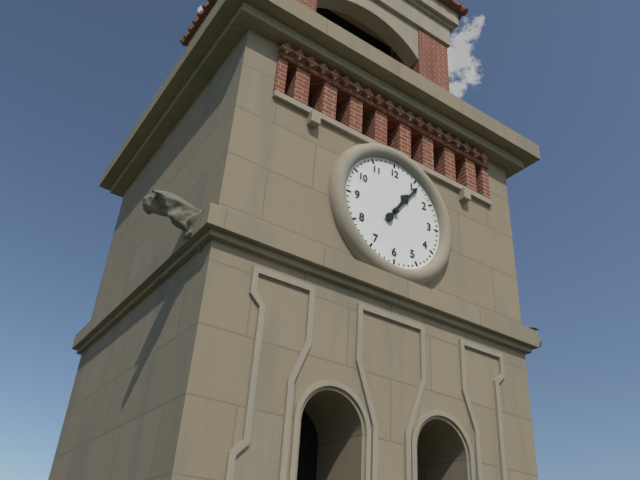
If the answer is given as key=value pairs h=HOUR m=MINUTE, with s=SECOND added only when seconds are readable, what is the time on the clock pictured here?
h=1 m=6
